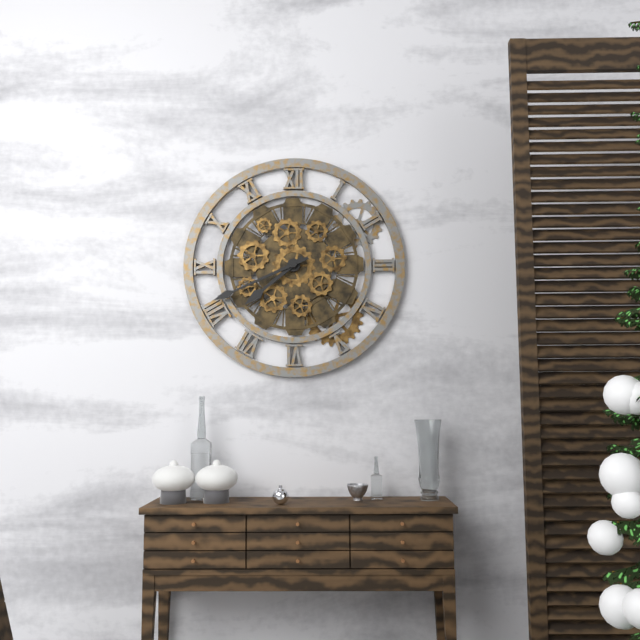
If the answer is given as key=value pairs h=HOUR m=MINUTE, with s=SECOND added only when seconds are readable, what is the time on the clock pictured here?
h=7 m=41
